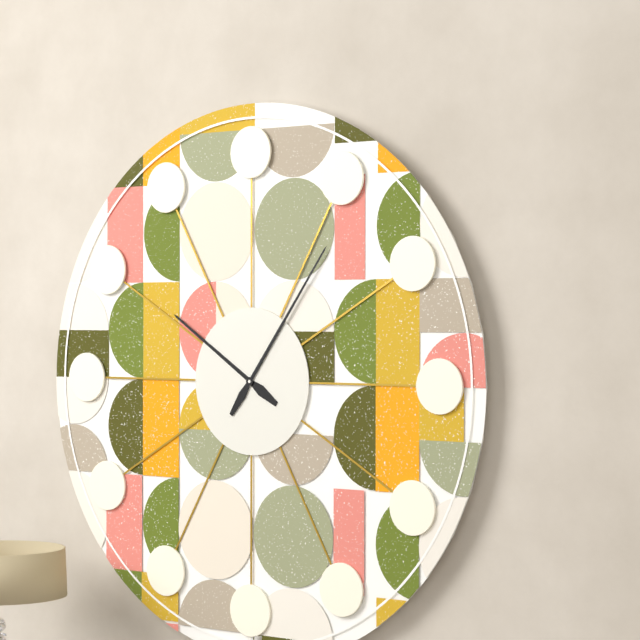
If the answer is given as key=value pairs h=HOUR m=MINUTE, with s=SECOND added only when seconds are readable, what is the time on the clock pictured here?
h=10 m=6
